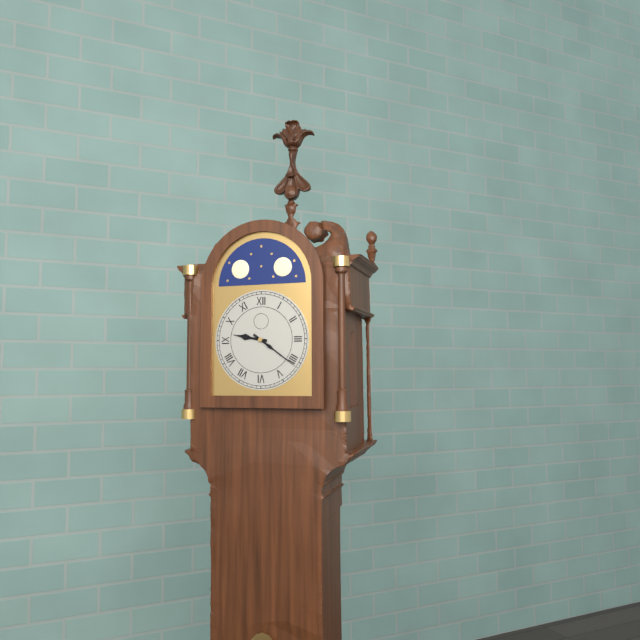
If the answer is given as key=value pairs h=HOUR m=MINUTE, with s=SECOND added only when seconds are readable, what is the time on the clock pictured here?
h=9 m=21
